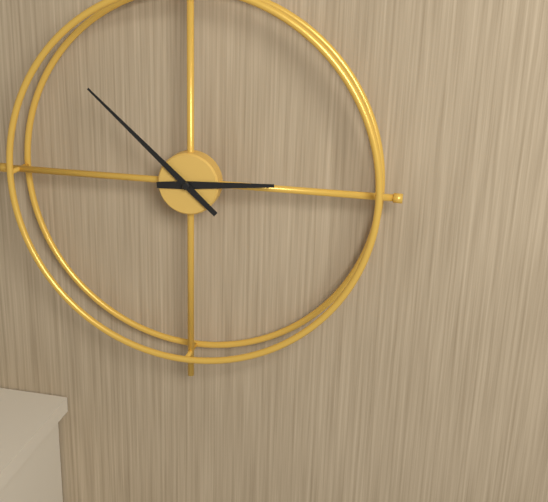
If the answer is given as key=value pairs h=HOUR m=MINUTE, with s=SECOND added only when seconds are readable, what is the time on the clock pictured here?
h=2 m=52
